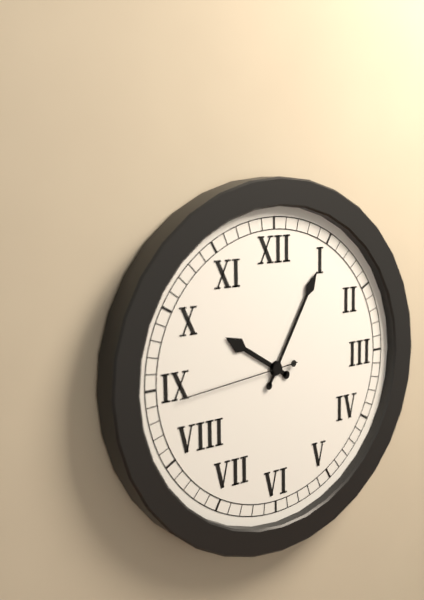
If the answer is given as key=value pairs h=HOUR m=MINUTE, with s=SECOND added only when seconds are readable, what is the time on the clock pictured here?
h=10 m=5 s=44
